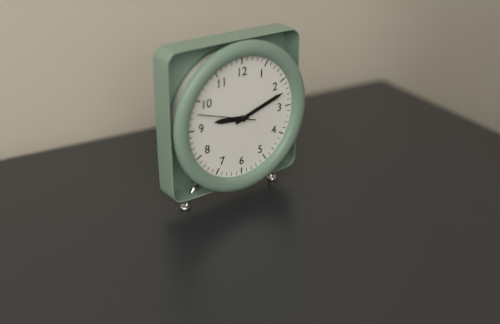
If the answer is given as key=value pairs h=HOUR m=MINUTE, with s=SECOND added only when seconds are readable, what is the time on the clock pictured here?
h=9 m=12
